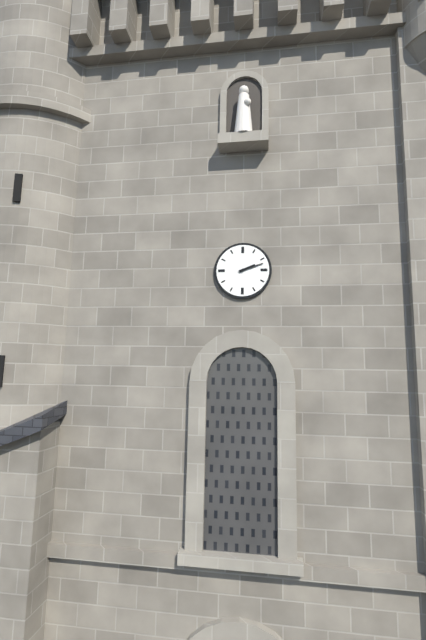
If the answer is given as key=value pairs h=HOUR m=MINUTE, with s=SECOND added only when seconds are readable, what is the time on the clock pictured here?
h=2 m=12
